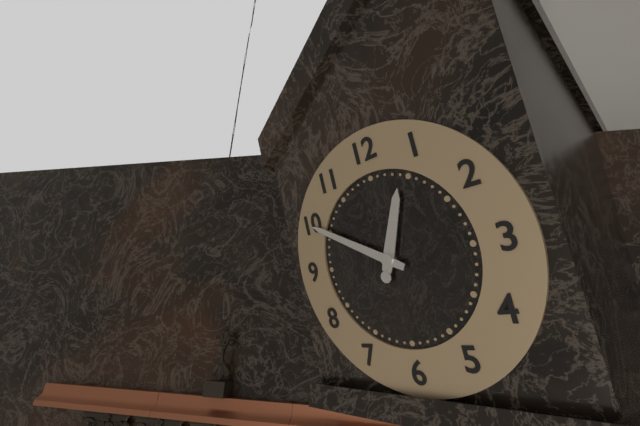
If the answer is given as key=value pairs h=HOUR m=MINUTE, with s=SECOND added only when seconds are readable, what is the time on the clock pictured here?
h=12 m=50
